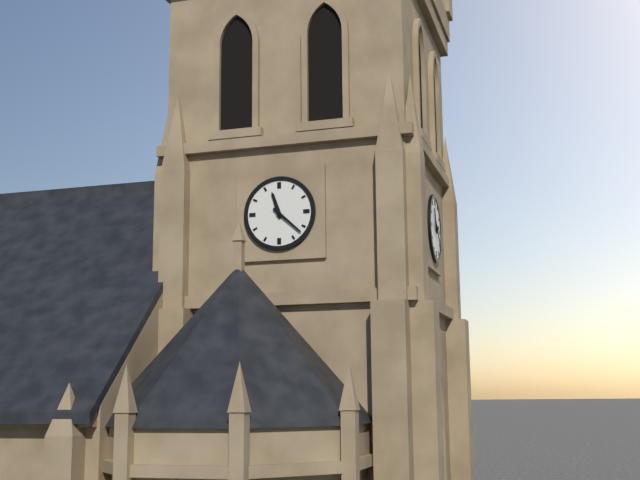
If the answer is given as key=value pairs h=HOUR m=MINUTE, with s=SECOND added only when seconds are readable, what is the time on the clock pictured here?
h=11 m=22
